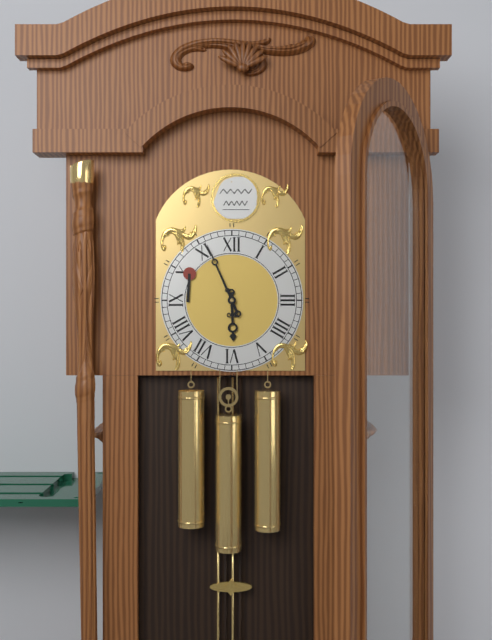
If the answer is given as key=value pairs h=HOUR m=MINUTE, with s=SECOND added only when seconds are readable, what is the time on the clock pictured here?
h=5 m=56
